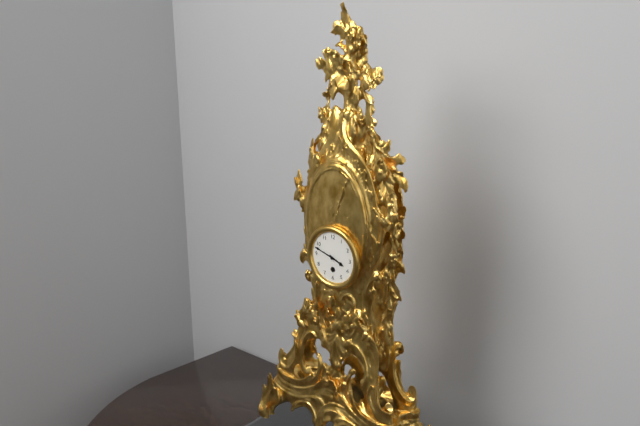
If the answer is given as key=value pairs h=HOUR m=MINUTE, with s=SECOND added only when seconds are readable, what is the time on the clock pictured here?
h=3 m=48
